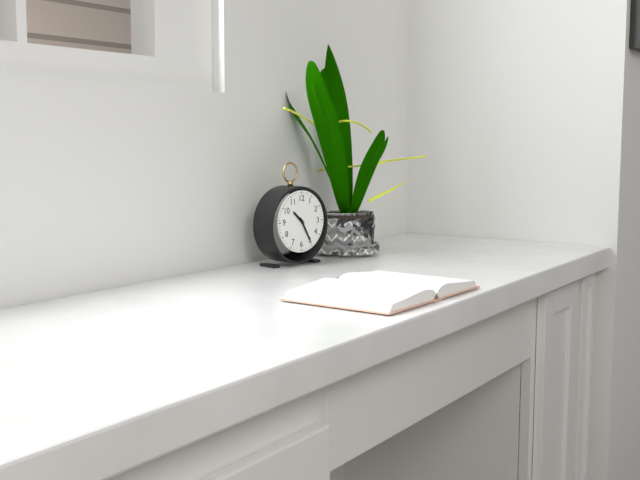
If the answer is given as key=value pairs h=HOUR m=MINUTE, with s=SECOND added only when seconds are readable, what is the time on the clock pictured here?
h=10 m=25
